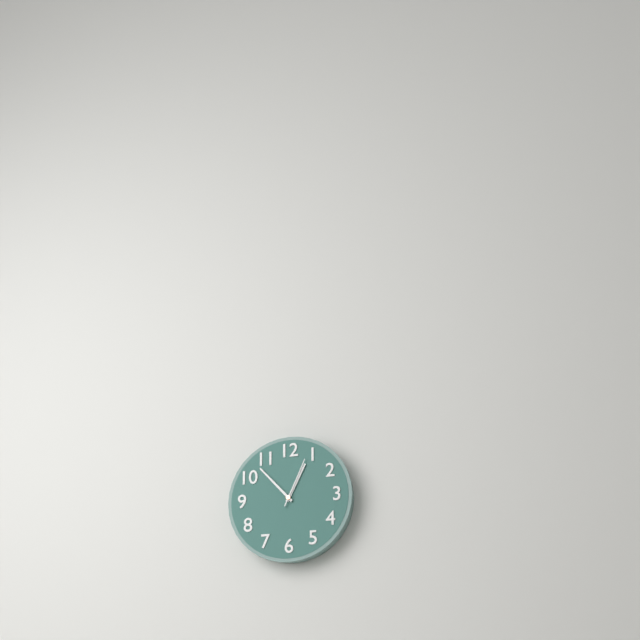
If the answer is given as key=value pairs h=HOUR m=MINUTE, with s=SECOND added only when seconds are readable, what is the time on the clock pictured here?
h=12 m=53 s=4
